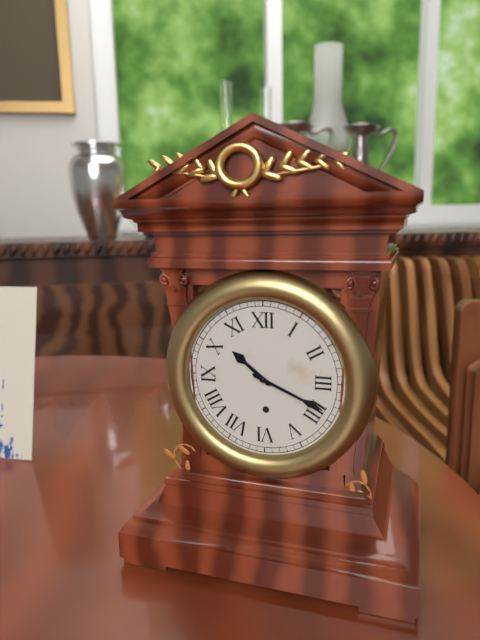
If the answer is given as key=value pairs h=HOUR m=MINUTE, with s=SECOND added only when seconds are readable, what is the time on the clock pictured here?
h=10 m=19
